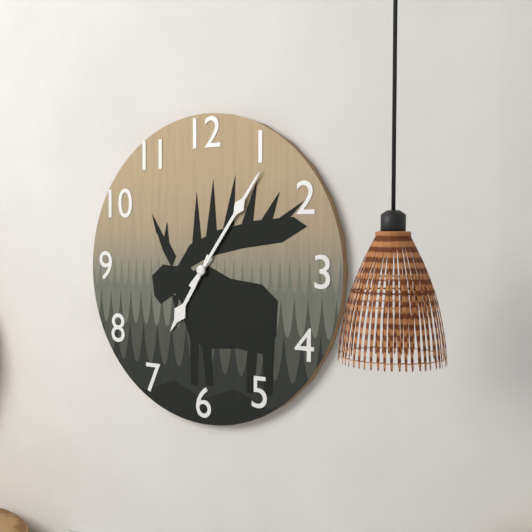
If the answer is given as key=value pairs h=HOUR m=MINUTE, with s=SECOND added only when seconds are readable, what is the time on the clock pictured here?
h=7 m=6
